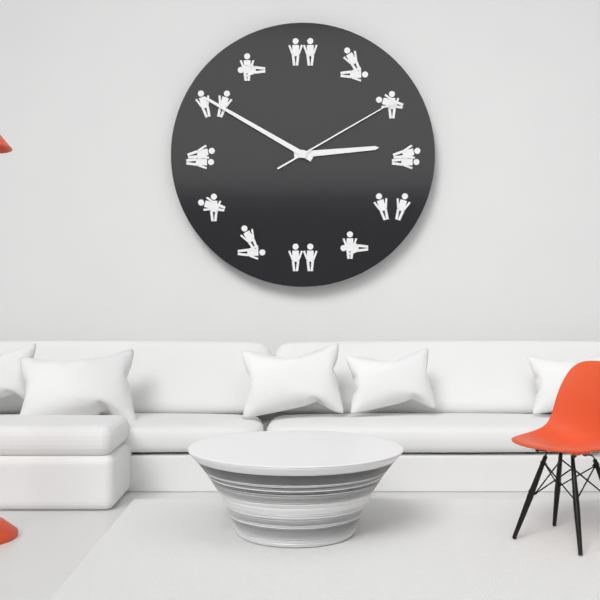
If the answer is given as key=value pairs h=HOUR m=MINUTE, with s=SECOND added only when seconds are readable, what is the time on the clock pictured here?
h=2 m=50 s=10
